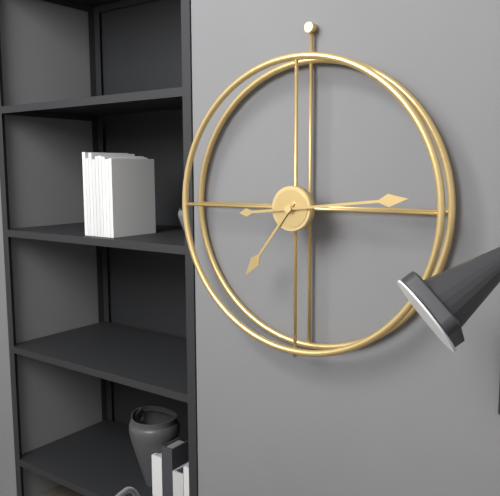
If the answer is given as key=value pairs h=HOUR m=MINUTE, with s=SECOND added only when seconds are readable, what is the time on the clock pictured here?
h=7 m=14
